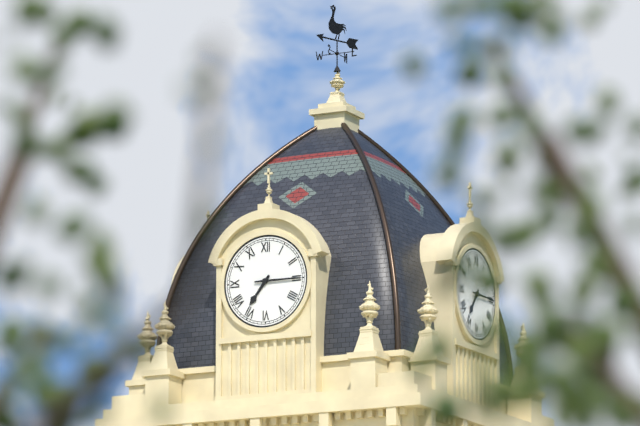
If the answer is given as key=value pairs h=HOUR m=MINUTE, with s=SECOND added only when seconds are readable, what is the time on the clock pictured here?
h=7 m=15
